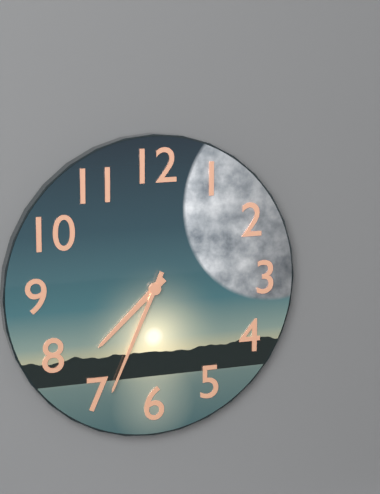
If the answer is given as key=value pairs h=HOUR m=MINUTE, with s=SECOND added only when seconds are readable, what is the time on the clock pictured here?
h=7 m=34
